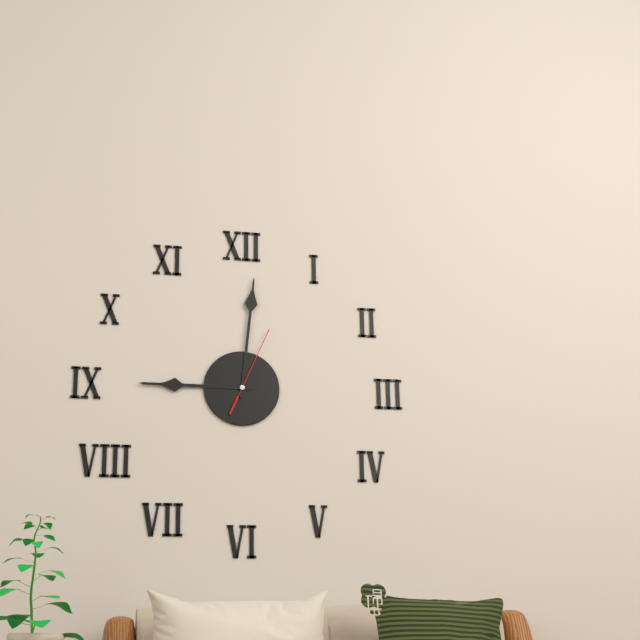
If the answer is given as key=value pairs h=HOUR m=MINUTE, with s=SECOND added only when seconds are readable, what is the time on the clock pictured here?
h=9 m=1 s=4
